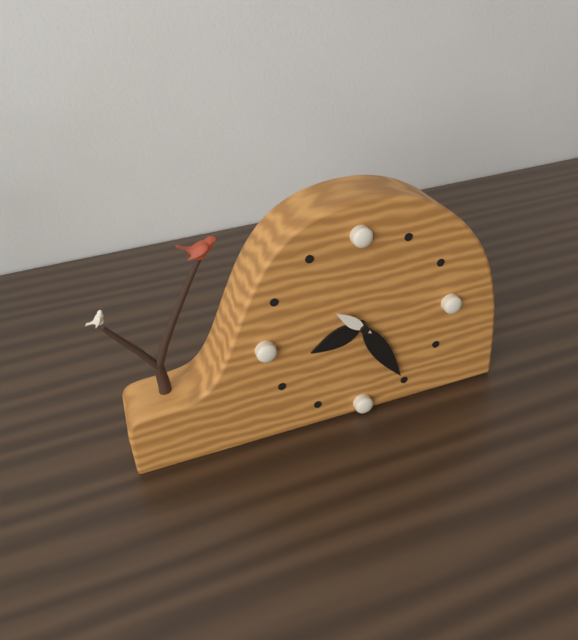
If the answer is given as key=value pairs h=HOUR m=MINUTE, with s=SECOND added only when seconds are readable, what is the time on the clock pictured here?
h=8 m=25
